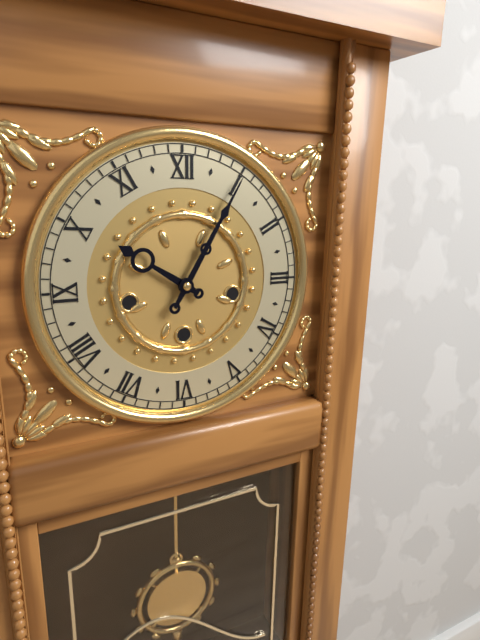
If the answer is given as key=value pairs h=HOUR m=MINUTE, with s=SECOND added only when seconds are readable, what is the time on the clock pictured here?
h=10 m=5
